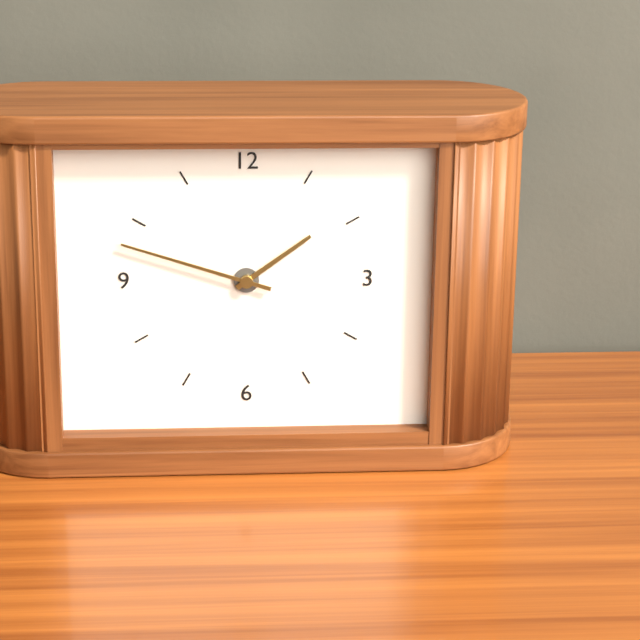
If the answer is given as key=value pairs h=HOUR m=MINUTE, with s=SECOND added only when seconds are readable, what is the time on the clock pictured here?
h=1 m=48
